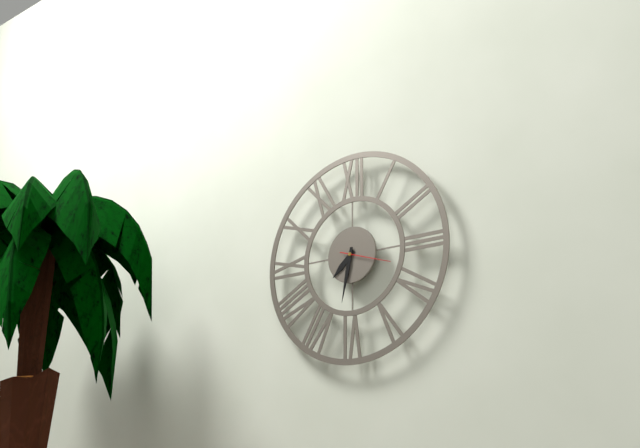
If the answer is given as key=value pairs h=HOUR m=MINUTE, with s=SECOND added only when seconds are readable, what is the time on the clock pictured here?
h=7 m=32
